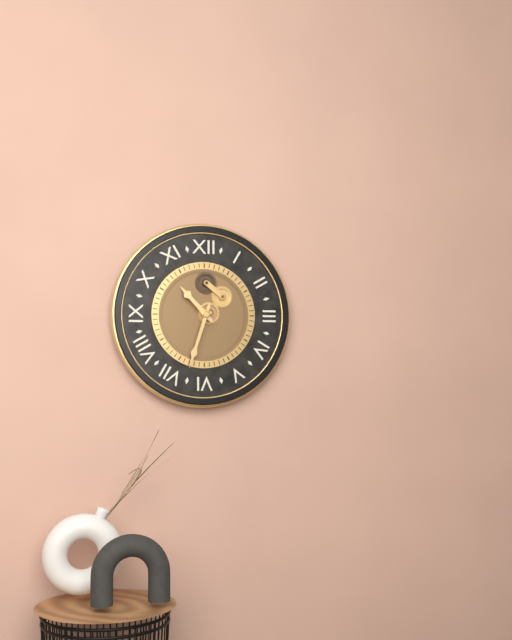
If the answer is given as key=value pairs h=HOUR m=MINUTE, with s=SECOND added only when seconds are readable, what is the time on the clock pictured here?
h=10 m=33
